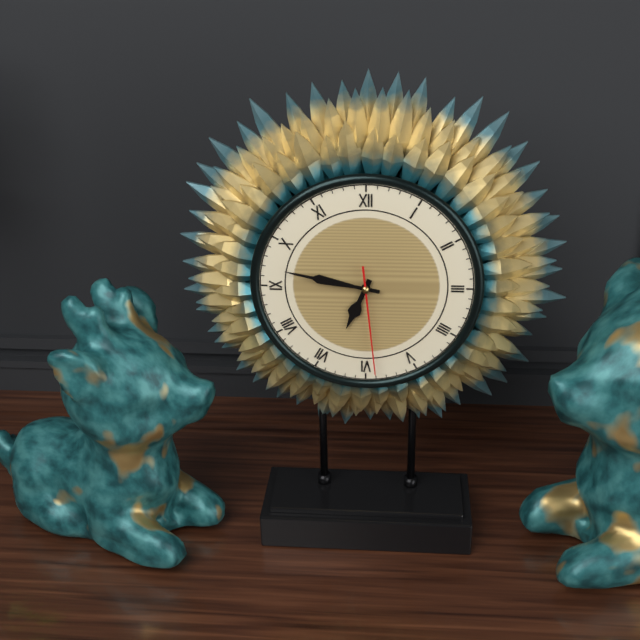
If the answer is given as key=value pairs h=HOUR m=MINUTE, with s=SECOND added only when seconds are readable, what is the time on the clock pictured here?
h=6 m=47 s=29
